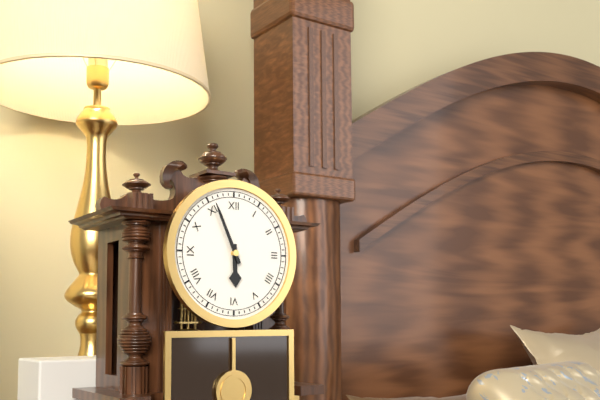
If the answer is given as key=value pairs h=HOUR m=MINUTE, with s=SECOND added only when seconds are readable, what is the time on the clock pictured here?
h=5 m=56
